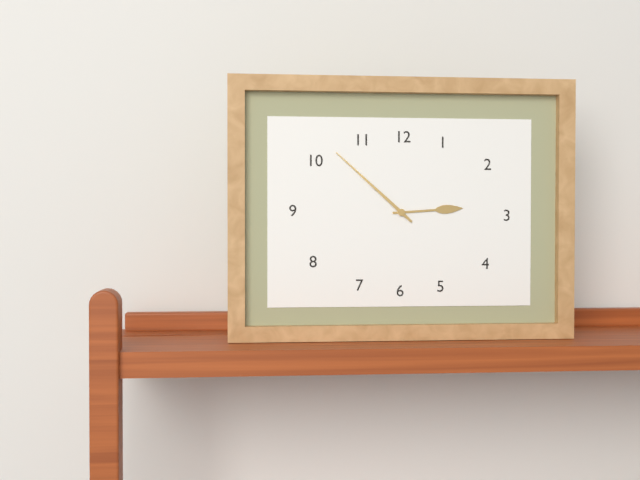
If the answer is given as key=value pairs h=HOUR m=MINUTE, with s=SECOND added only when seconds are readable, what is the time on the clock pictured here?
h=2 m=52
